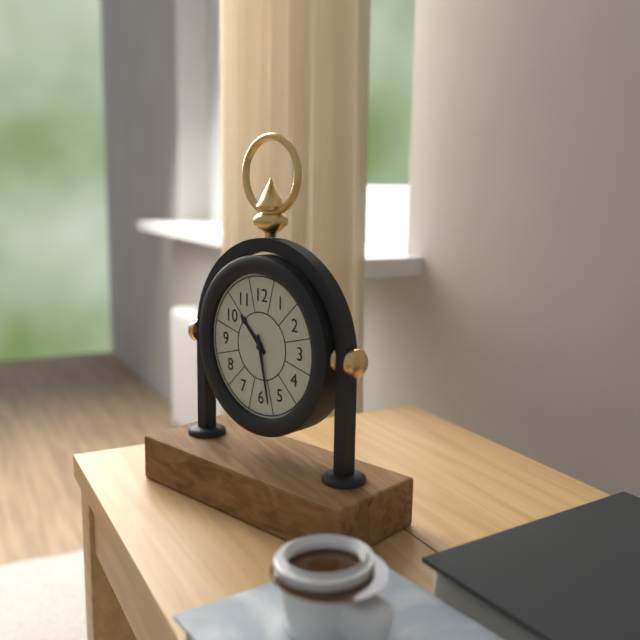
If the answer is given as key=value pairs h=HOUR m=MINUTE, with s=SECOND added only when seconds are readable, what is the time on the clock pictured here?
h=10 m=28
